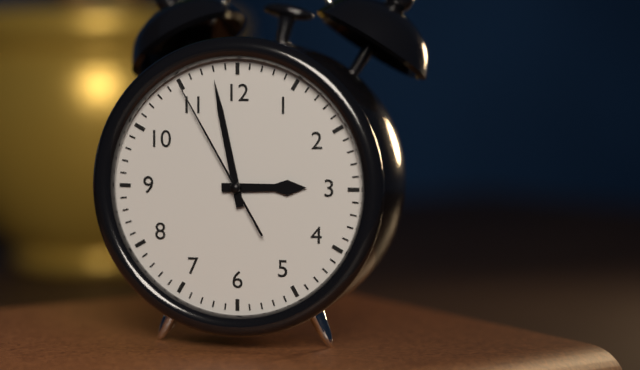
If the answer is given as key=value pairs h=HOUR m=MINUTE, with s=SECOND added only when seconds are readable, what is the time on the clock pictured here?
h=2 m=58 s=55
